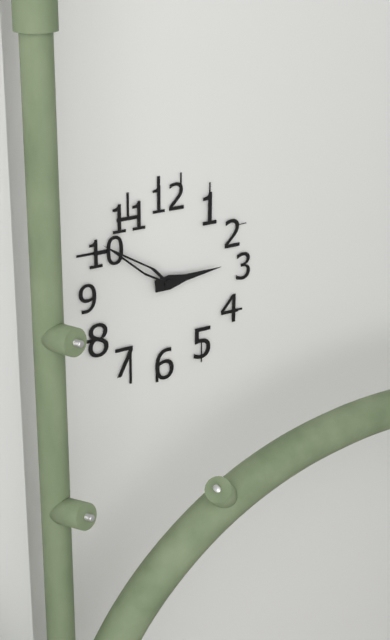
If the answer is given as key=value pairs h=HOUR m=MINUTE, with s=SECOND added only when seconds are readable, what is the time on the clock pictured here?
h=2 m=51
